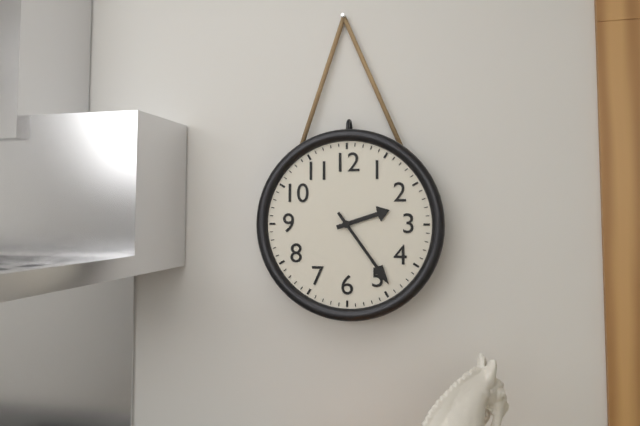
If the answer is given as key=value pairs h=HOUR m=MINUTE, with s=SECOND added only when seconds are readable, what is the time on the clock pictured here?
h=2 m=24
